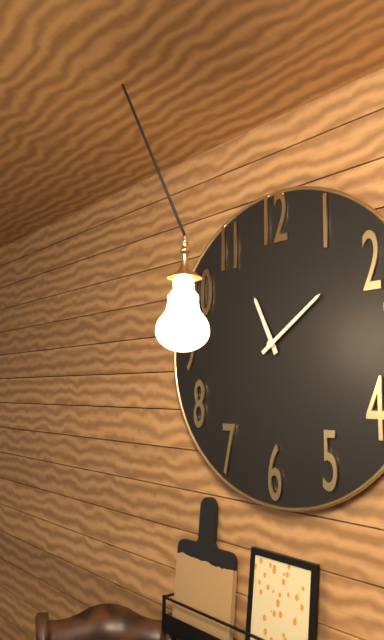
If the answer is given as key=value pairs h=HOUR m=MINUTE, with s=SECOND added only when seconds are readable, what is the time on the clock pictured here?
h=11 m=9
